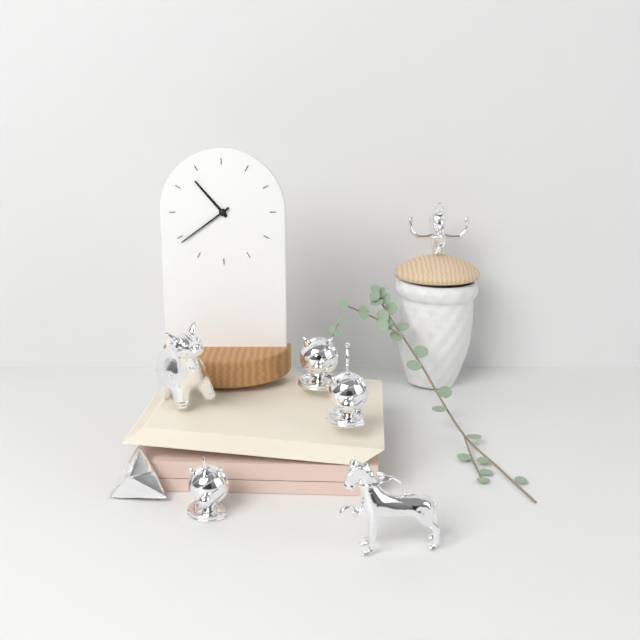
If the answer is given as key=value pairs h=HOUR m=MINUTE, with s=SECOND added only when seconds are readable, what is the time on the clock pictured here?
h=10 m=39
